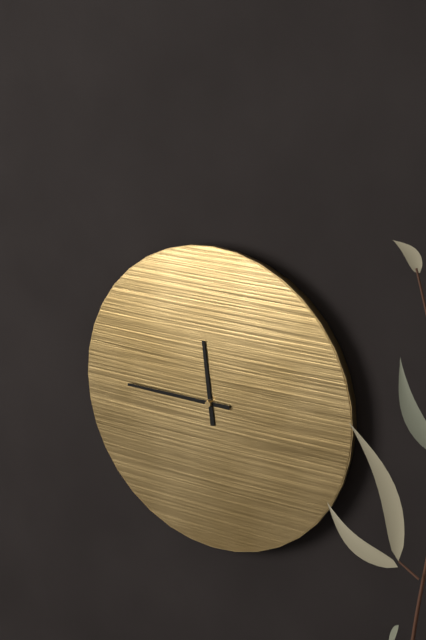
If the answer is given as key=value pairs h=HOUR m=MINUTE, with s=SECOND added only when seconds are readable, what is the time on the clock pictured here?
h=11 m=45
